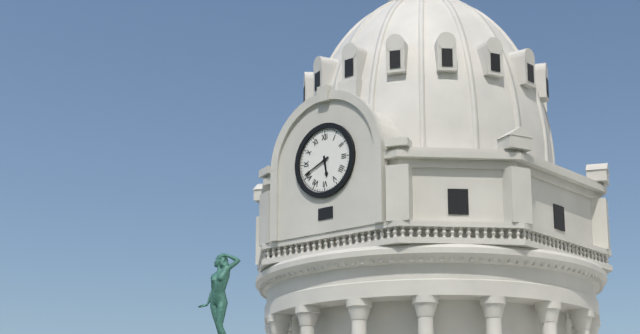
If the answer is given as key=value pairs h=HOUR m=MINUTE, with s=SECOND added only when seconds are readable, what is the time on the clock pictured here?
h=5 m=41
